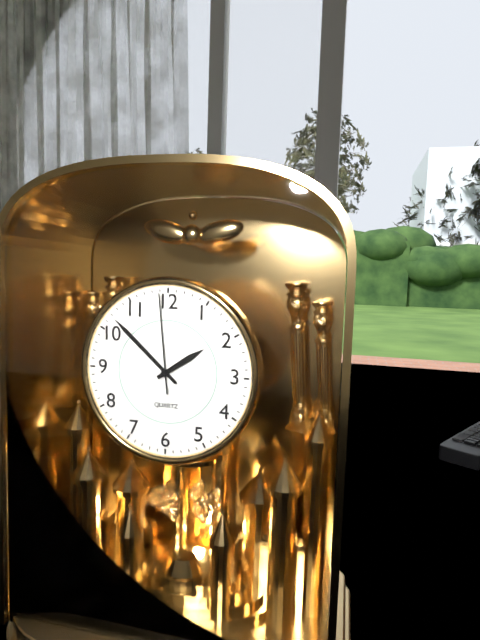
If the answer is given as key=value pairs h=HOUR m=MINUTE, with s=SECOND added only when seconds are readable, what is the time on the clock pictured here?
h=1 m=52 s=59
